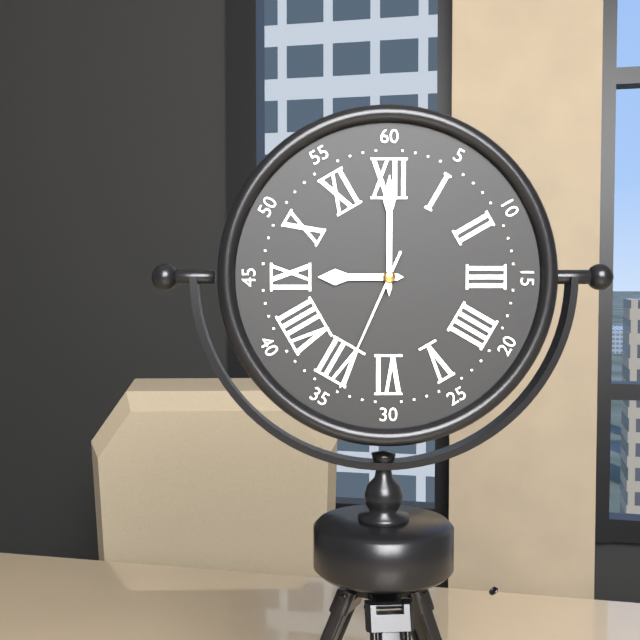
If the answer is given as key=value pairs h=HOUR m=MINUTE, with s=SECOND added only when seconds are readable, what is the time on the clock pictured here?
h=9 m=0 s=34
